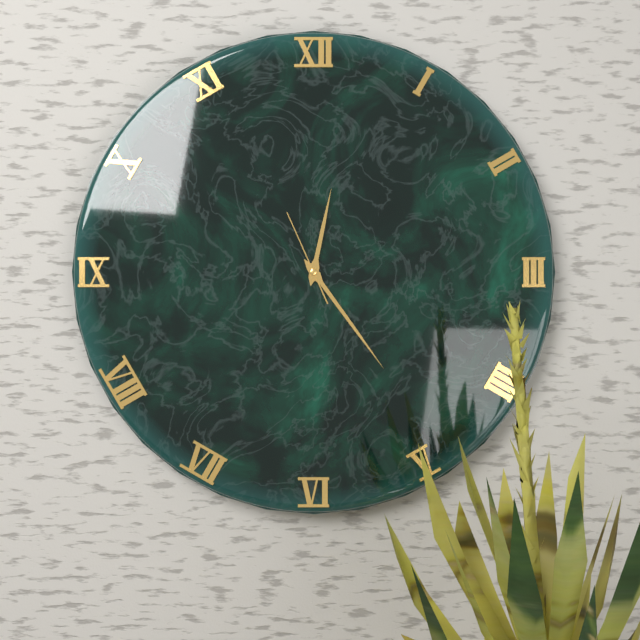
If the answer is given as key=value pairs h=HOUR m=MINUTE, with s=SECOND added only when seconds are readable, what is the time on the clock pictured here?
h=12 m=24 s=56
